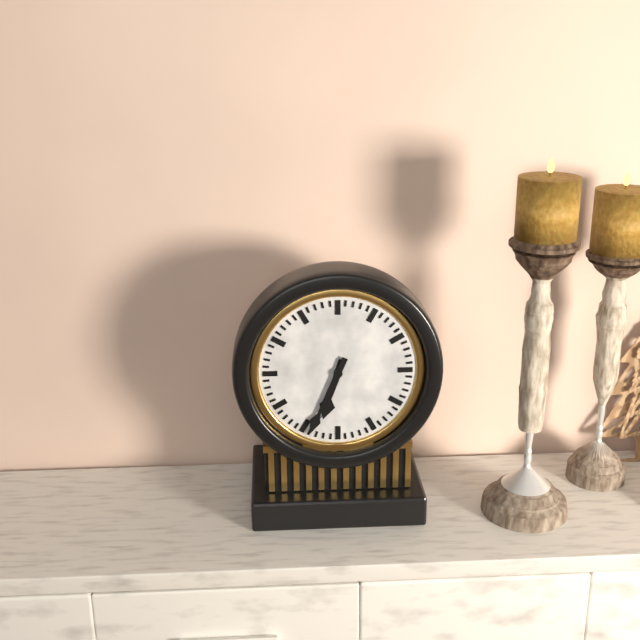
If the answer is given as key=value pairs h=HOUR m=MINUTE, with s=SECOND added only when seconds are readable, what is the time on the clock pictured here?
h=6 m=34
